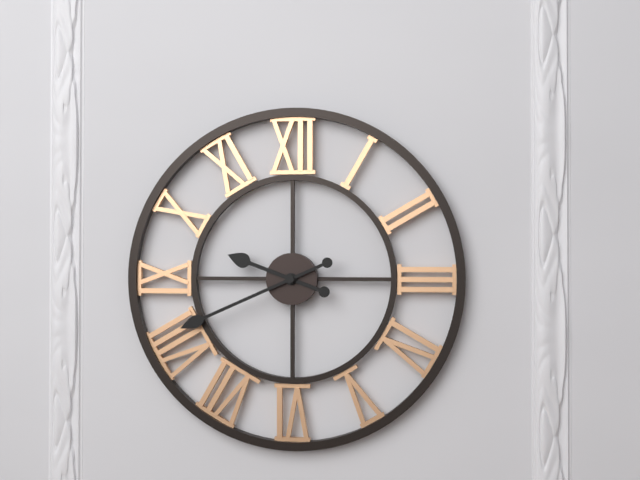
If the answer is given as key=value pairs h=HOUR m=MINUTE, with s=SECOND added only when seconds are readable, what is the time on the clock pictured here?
h=9 m=41
